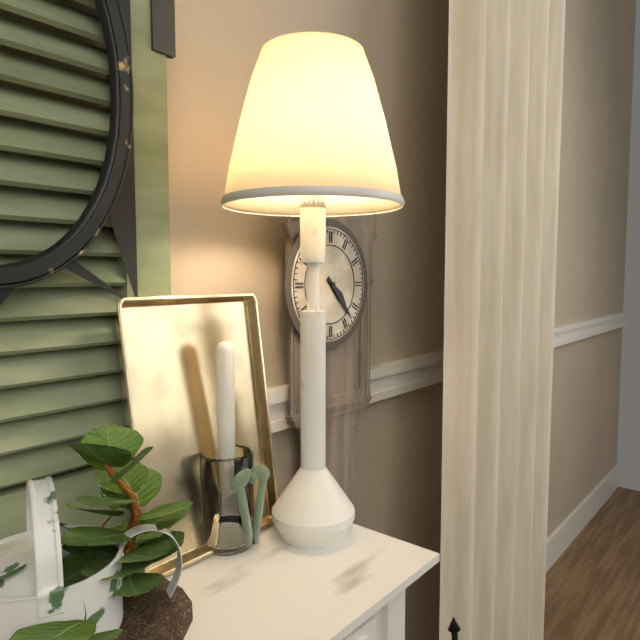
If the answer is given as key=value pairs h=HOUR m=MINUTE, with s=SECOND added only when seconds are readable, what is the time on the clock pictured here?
h=4 m=23
